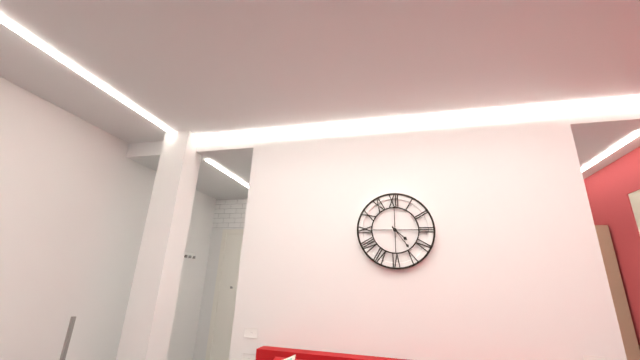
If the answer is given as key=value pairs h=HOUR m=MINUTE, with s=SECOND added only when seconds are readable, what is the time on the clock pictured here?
h=4 m=24
